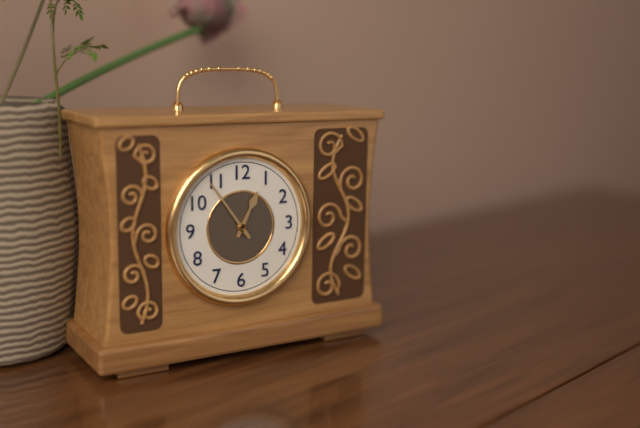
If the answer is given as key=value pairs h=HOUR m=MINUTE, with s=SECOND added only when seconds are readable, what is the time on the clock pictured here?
h=12 m=54
